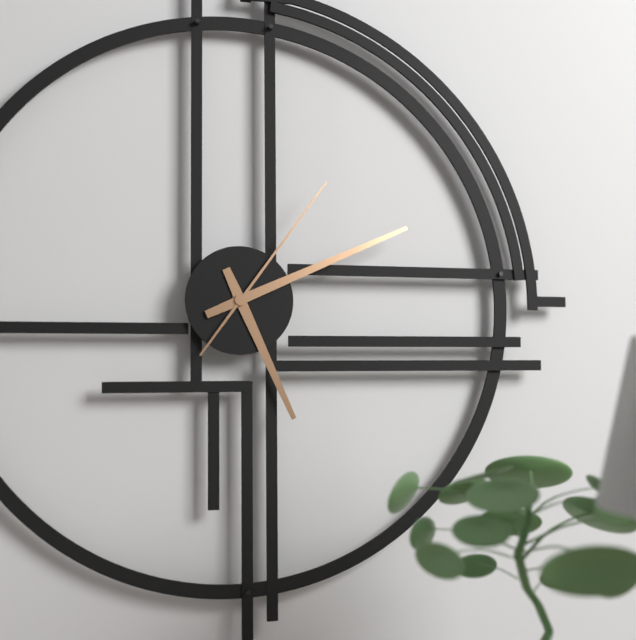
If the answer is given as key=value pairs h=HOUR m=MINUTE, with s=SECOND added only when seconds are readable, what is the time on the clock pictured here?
h=5 m=11 s=6
